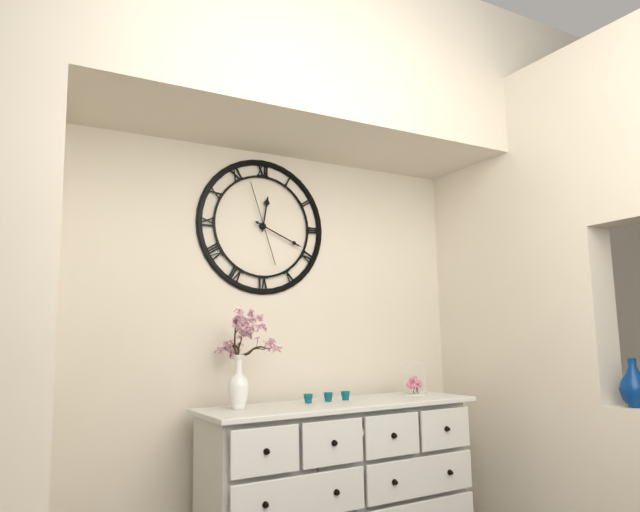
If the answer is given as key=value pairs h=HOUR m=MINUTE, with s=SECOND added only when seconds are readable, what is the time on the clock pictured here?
h=12 m=19 s=57
